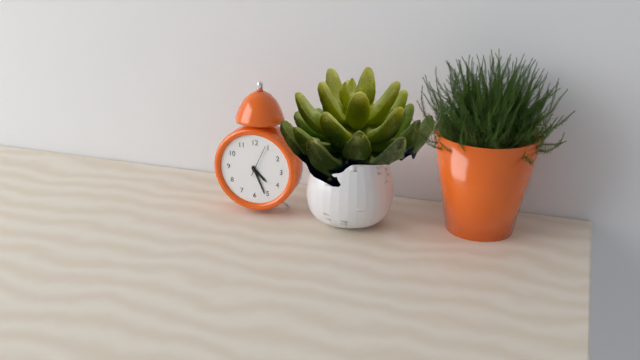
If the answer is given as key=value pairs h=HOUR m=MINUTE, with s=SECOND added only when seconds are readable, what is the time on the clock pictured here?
h=4 m=26
